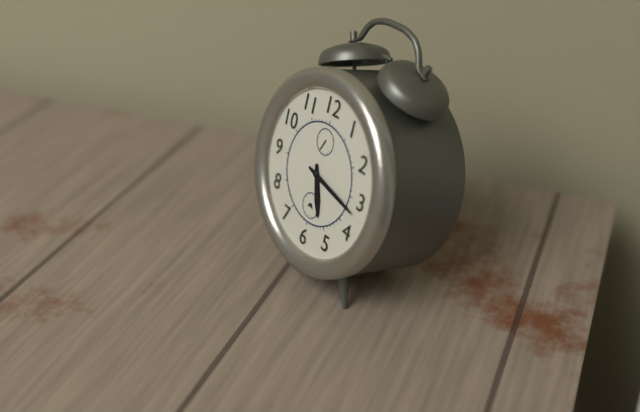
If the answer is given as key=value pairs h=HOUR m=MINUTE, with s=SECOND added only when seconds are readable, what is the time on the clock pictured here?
h=5 m=17
